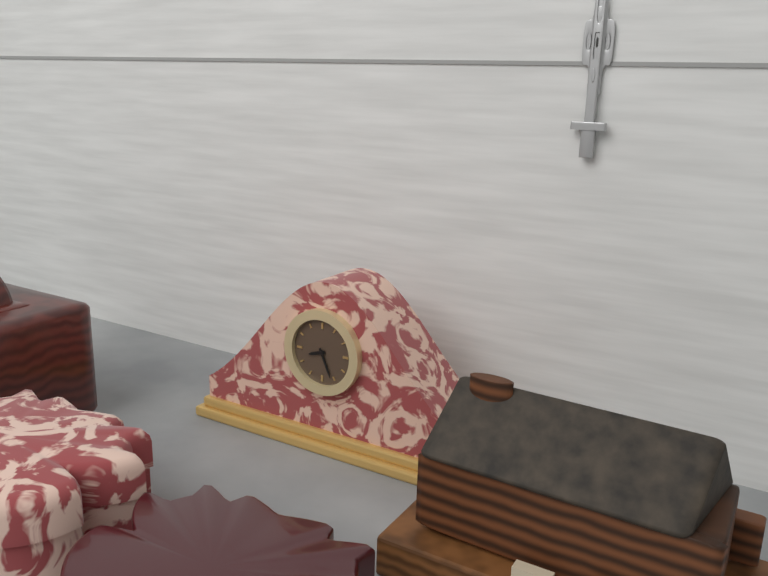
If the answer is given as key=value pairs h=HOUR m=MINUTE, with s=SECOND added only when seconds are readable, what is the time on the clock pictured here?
h=8 m=26
